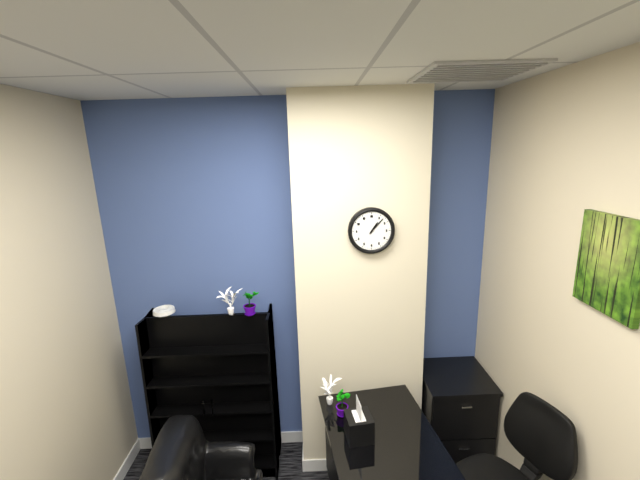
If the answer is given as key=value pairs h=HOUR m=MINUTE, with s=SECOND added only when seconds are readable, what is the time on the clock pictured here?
h=1 m=7
